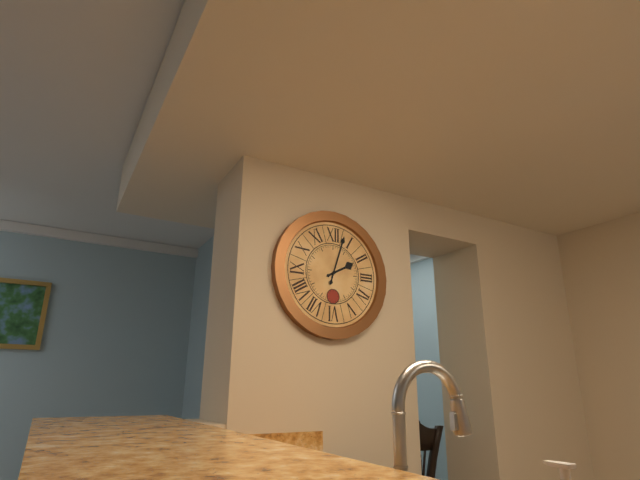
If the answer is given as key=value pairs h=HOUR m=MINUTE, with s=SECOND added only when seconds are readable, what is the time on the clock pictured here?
h=2 m=3
